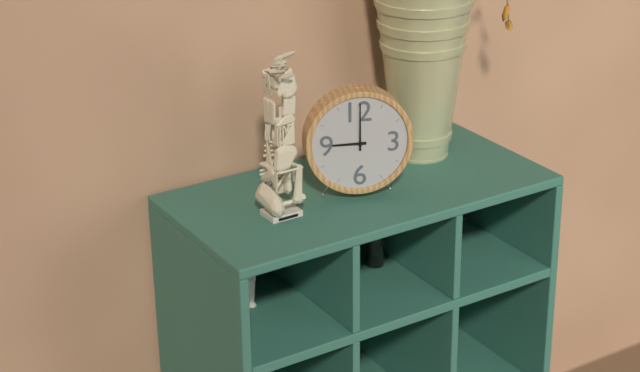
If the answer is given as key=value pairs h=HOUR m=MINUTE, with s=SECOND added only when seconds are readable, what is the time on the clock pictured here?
h=9 m=0
